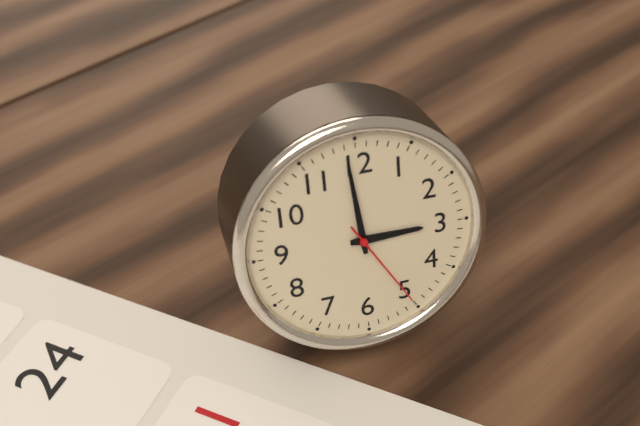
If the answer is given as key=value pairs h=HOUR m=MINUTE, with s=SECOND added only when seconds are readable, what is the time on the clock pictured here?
h=2 m=59 s=25
